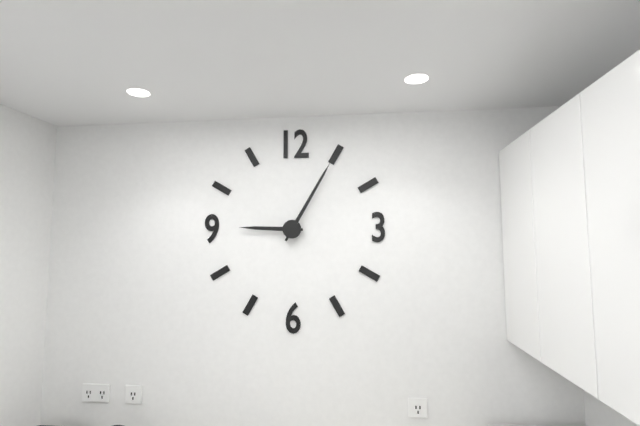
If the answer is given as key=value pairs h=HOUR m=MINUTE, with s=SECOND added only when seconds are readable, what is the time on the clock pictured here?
h=9 m=5
